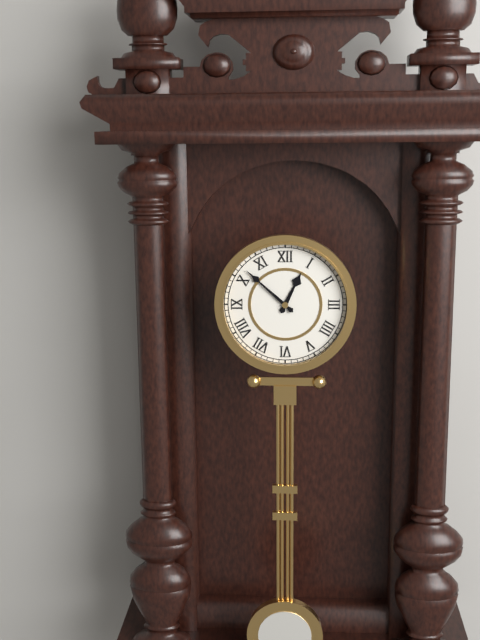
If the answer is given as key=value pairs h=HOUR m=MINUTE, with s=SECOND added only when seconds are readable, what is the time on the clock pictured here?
h=12 m=52
